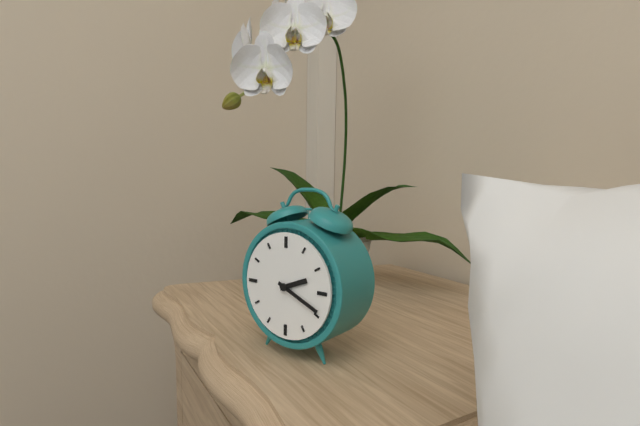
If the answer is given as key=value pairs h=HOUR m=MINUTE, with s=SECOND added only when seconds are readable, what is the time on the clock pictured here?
h=2 m=19
